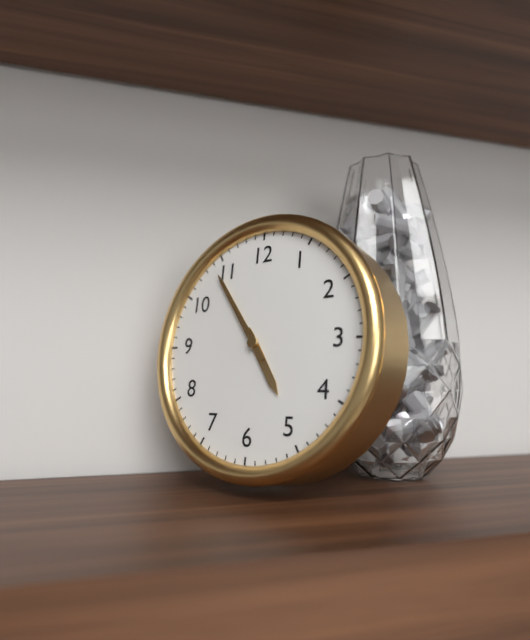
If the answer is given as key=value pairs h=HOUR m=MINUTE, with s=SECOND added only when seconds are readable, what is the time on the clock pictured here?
h=4 m=54
